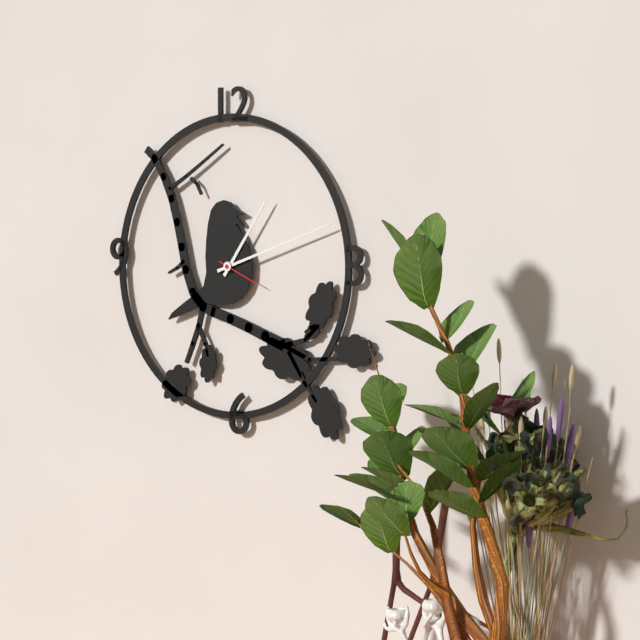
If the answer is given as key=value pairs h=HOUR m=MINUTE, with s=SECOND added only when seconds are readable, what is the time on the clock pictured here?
h=1 m=12
